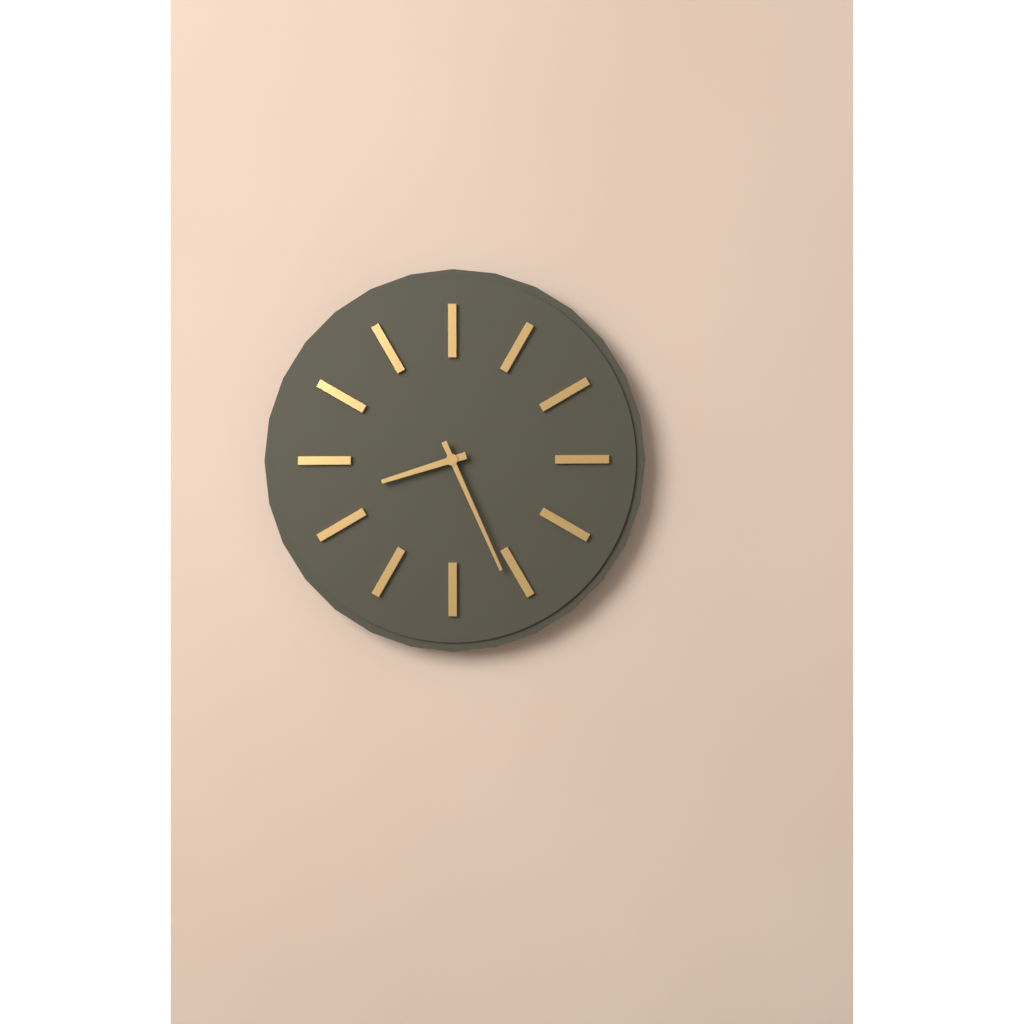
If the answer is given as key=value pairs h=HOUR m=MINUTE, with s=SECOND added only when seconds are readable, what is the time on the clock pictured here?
h=8 m=26
